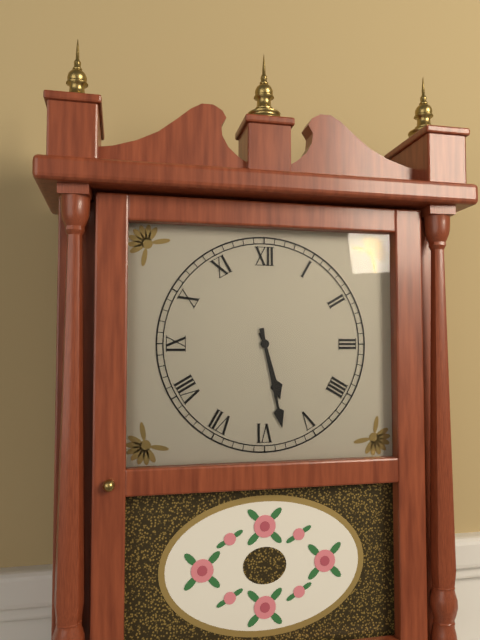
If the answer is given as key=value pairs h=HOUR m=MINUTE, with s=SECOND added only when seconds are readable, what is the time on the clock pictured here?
h=5 m=28
